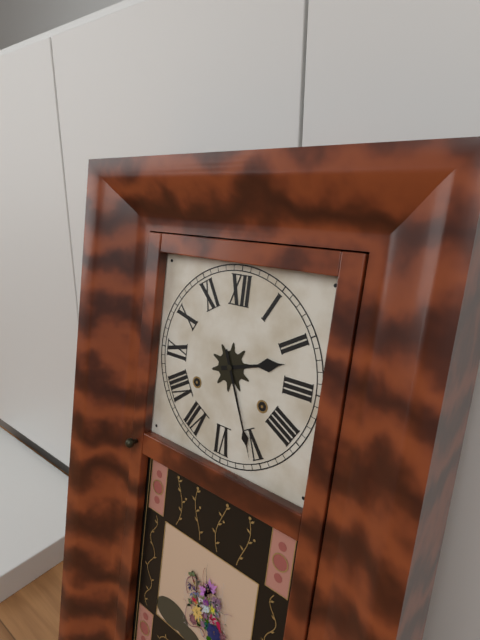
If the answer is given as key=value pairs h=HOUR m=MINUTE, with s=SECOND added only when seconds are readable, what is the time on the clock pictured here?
h=2 m=26
